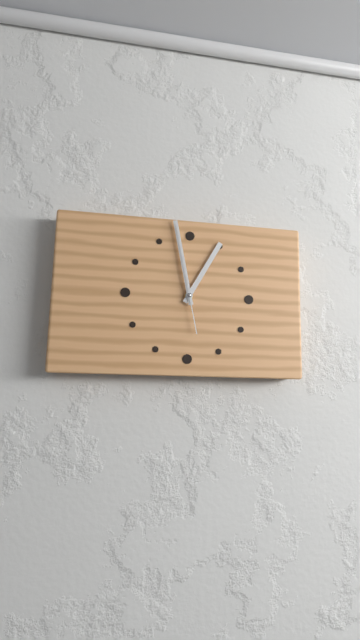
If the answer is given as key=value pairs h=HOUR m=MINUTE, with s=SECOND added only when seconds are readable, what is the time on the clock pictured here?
h=12 m=58 s=58
